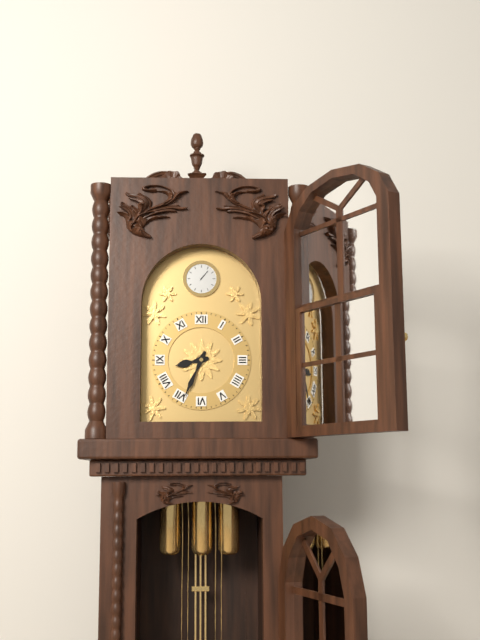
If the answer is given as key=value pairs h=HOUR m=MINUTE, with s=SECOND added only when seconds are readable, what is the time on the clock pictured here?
h=8 m=34
